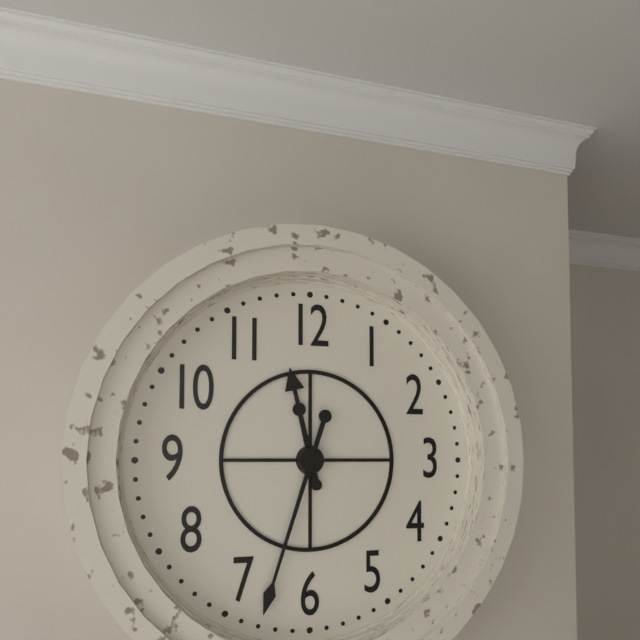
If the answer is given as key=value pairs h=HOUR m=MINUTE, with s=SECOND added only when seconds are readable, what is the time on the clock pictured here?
h=11 m=33
